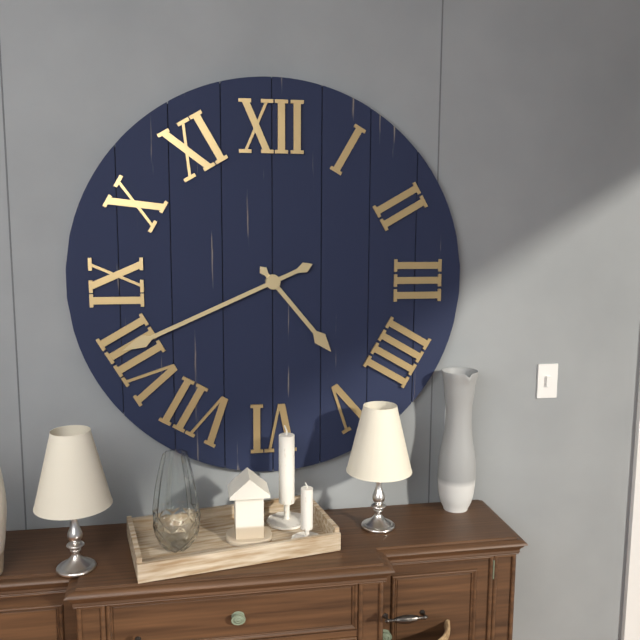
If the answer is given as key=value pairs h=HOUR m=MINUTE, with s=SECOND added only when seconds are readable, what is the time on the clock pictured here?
h=4 m=41
